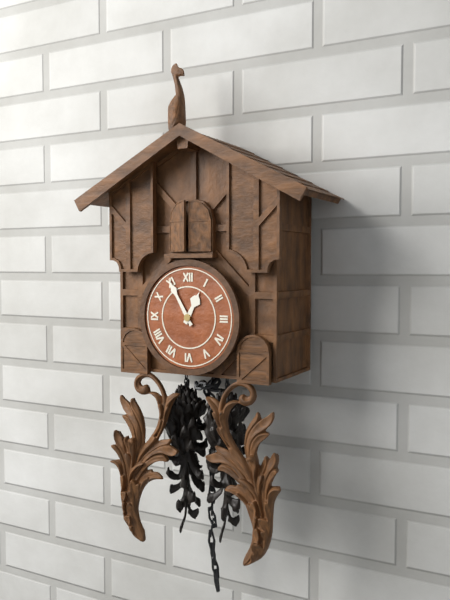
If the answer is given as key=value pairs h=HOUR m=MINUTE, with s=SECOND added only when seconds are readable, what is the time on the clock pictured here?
h=12 m=55
